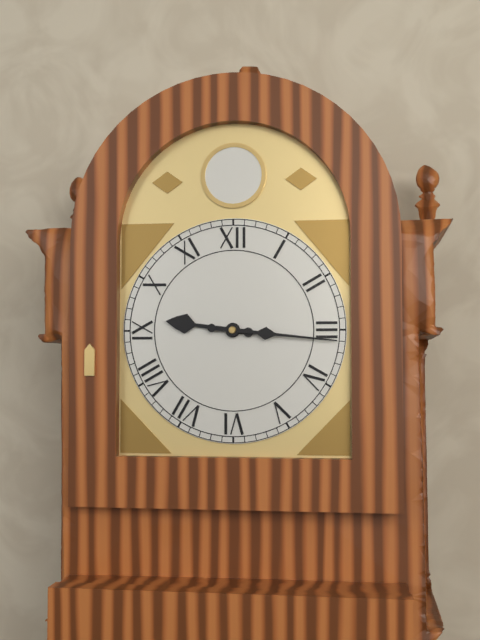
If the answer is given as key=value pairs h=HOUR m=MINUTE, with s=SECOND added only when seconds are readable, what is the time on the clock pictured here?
h=9 m=16
